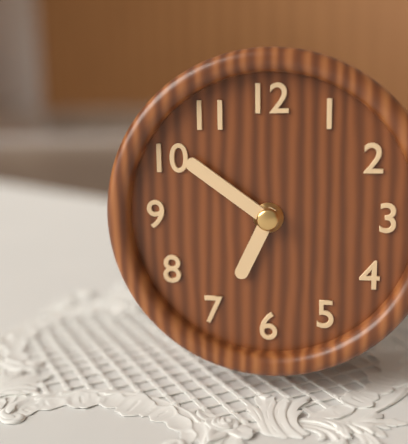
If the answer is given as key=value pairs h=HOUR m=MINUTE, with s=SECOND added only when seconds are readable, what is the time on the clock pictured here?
h=6 m=51
